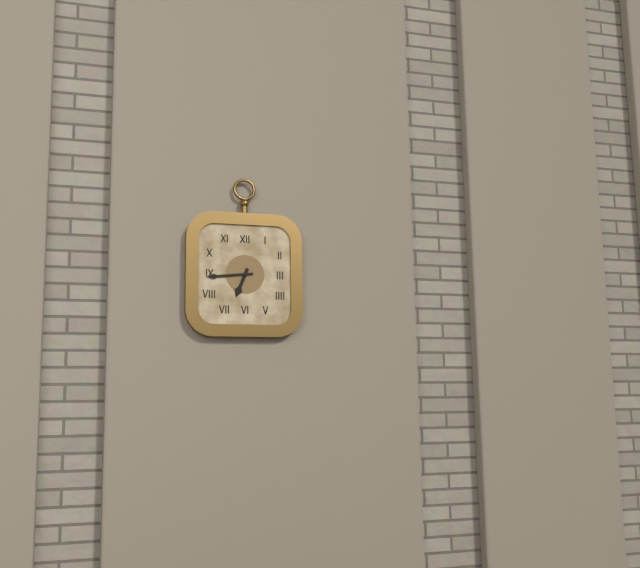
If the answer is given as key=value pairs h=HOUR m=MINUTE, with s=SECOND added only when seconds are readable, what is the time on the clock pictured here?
h=6 m=44
